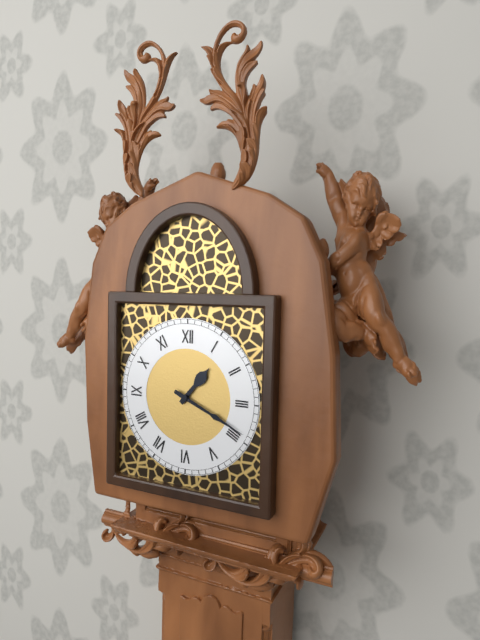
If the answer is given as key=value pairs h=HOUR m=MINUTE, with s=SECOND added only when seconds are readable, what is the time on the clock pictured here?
h=1 m=19
